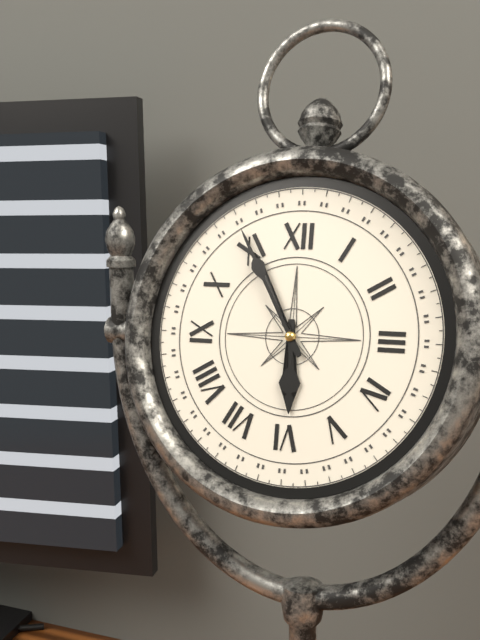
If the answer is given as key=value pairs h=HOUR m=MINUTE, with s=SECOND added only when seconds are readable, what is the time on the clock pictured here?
h=5 m=55
